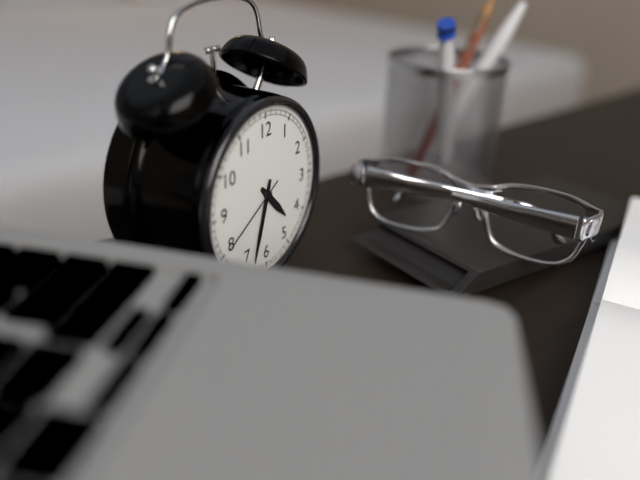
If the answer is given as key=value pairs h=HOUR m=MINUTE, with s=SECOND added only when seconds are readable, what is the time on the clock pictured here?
h=4 m=33 s=40
